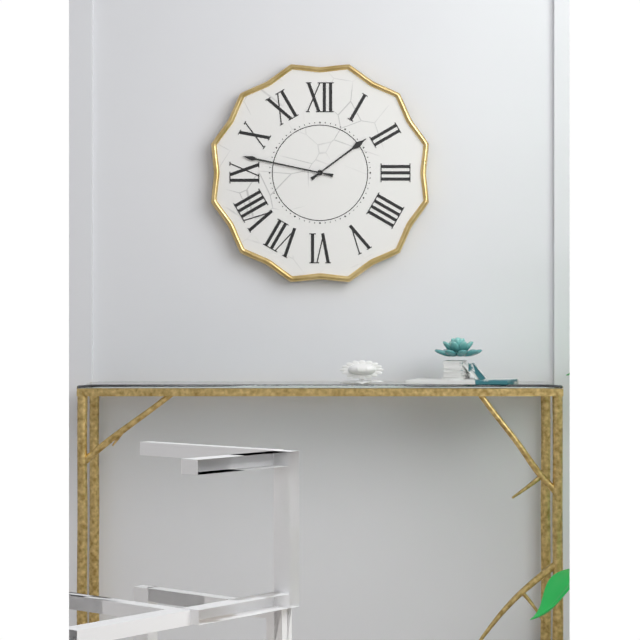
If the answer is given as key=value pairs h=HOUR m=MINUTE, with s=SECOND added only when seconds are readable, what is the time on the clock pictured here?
h=1 m=47
